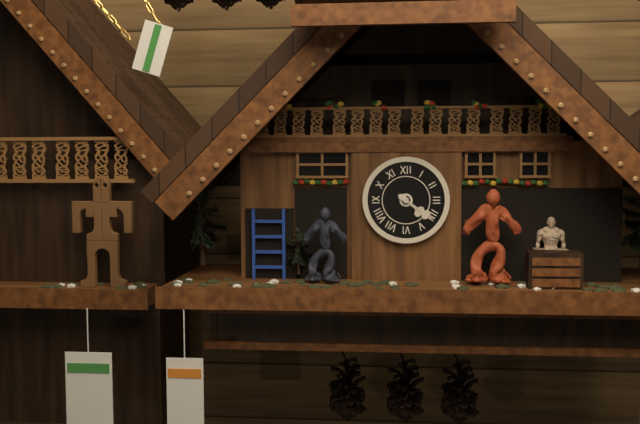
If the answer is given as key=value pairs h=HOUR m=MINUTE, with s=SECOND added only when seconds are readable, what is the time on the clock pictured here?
h=4 m=21
